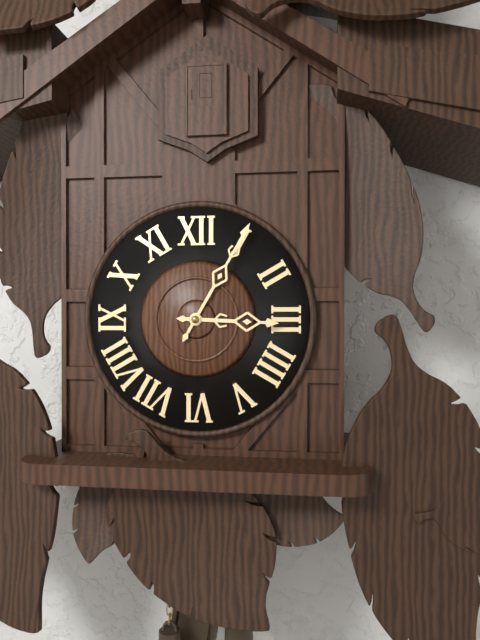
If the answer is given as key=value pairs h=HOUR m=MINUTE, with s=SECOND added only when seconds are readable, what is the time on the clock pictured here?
h=3 m=5
